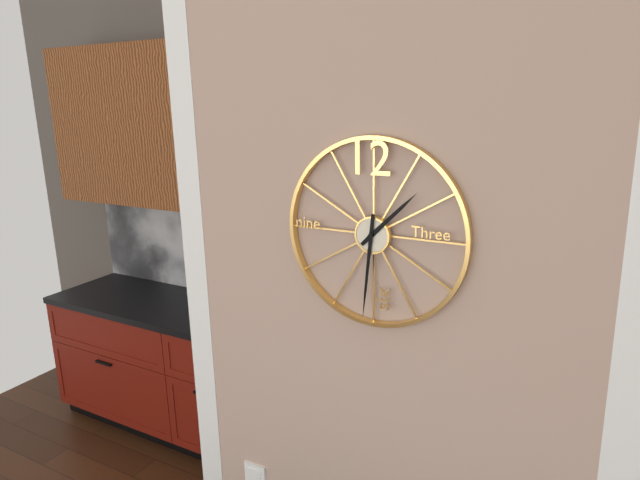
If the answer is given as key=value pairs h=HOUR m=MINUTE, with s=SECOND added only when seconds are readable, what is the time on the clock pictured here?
h=1 m=31
